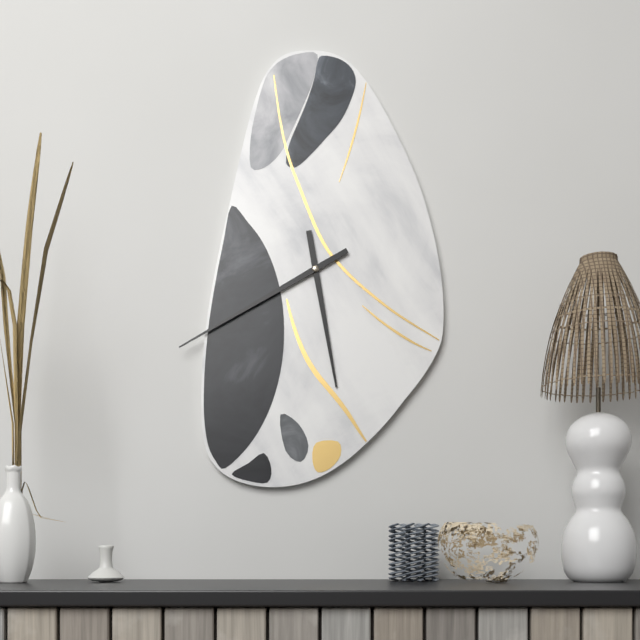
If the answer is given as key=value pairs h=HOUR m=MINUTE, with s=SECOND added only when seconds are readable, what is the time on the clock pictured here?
h=5 m=40
